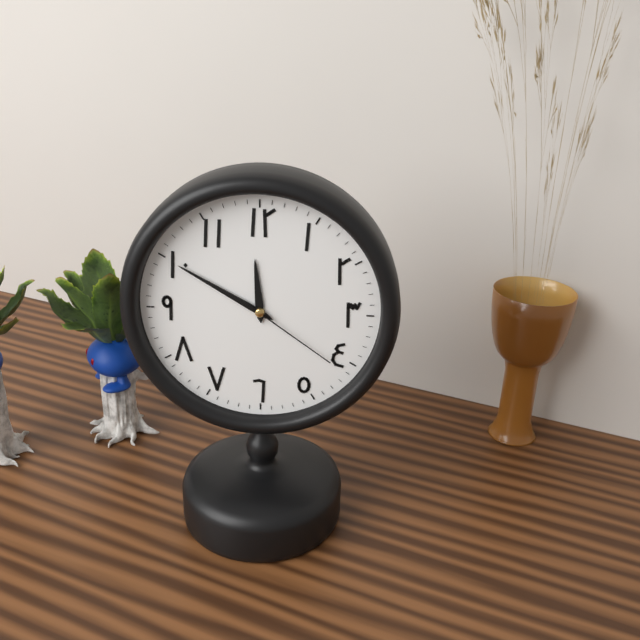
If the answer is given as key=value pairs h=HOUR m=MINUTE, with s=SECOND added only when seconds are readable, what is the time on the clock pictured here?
h=11 m=50 s=21
